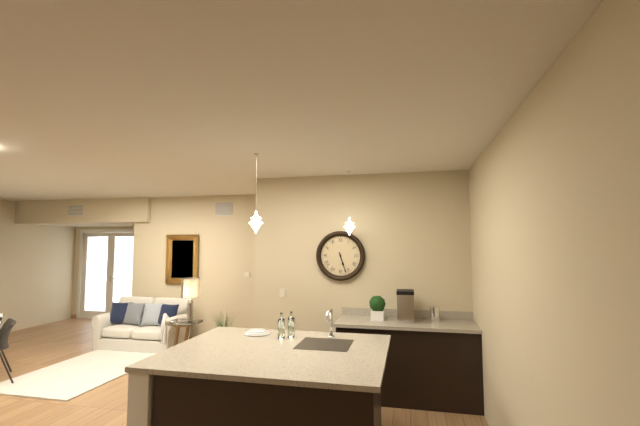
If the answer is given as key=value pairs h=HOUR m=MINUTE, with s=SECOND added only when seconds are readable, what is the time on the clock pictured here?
h=5 m=27
